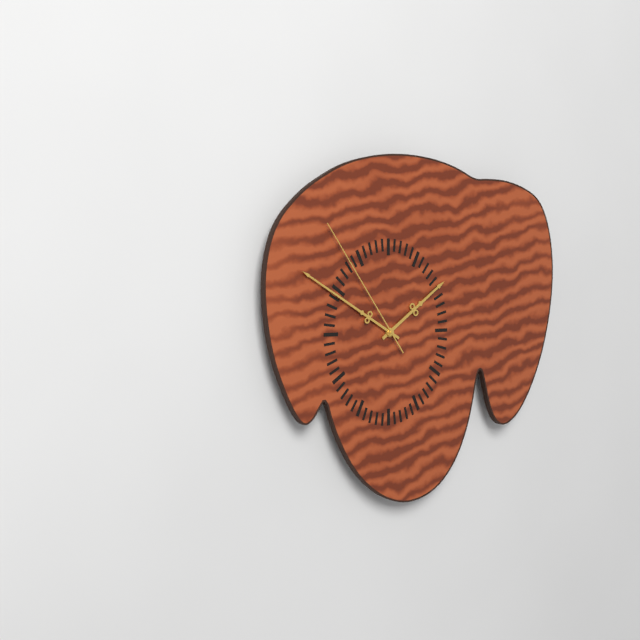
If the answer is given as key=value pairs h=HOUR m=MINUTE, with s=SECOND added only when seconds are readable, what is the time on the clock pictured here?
h=1 m=50 s=54
